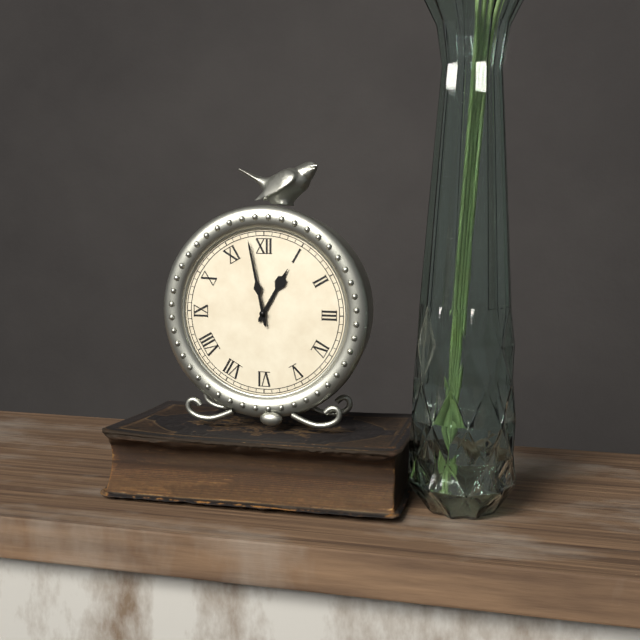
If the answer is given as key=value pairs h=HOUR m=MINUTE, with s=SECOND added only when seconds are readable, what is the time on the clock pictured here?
h=12 m=58
